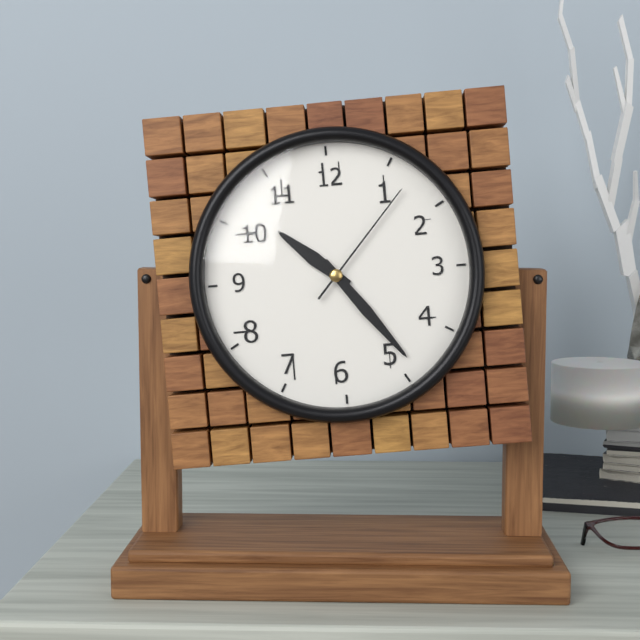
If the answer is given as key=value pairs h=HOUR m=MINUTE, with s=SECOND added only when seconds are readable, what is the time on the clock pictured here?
h=10 m=24 s=7
